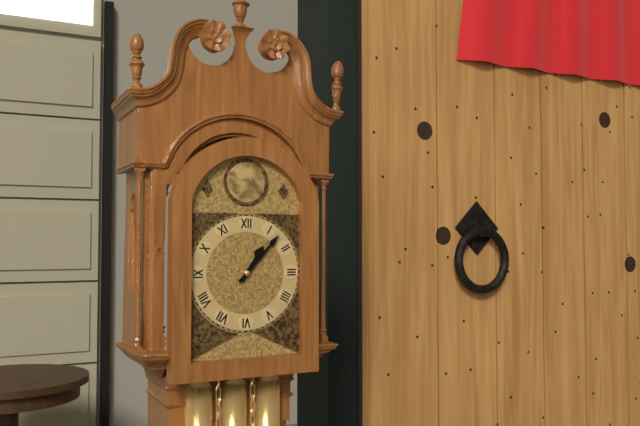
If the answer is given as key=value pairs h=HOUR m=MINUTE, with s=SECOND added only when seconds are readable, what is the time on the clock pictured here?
h=1 m=7
